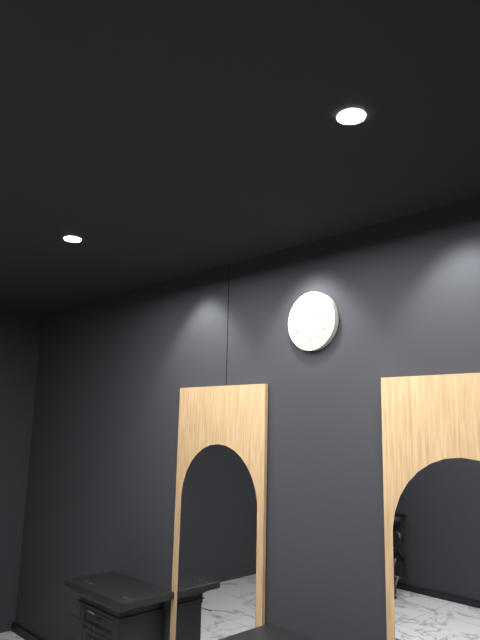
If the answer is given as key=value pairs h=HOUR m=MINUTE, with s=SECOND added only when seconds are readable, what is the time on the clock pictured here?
h=11 m=6
